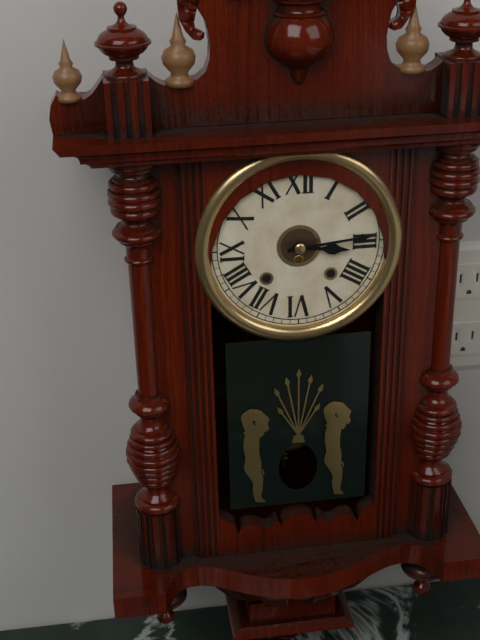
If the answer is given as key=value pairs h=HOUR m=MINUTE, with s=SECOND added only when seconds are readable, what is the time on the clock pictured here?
h=3 m=14
